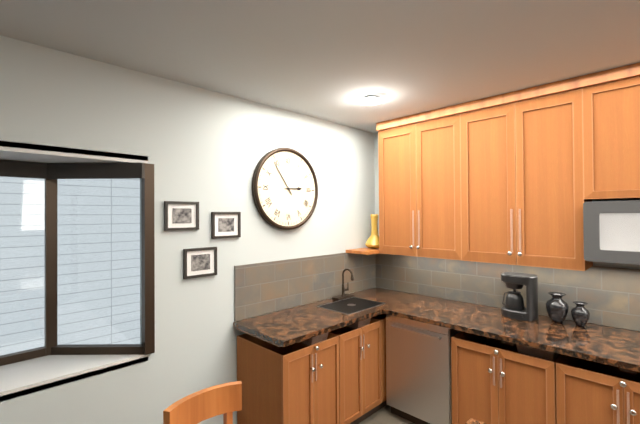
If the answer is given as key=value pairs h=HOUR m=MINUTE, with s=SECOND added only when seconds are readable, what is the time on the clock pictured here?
h=2 m=54
